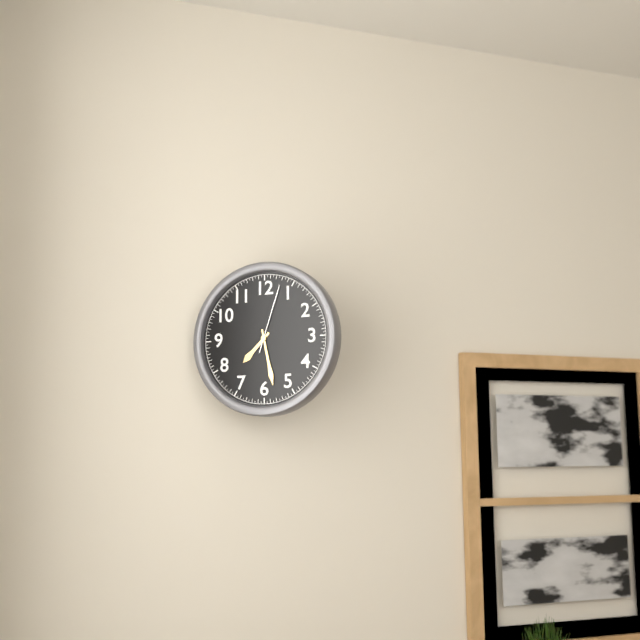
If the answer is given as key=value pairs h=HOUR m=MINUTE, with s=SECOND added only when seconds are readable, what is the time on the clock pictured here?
h=7 m=28 s=3
